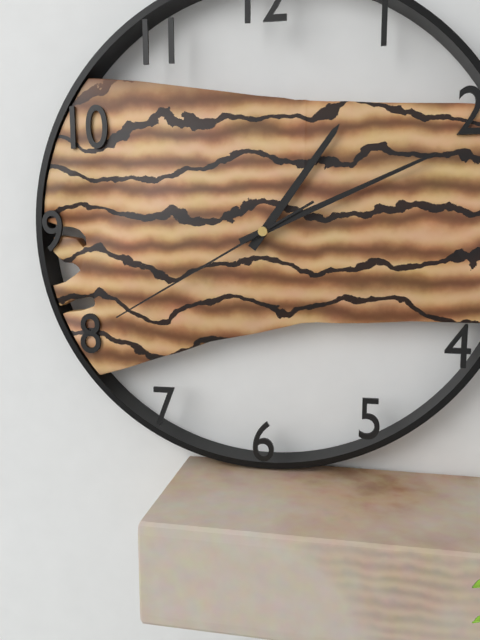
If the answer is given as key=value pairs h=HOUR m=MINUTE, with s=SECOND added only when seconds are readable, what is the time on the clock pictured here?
h=1 m=11 s=40
